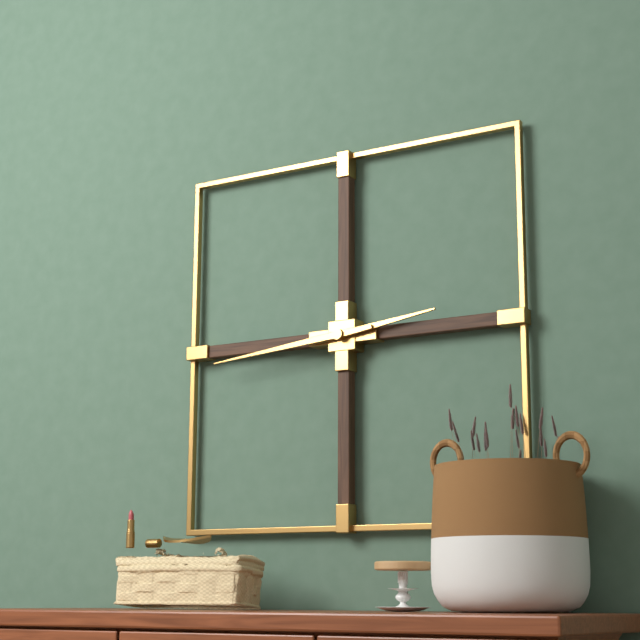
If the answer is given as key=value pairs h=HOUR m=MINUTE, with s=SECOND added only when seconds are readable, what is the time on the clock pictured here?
h=2 m=44
